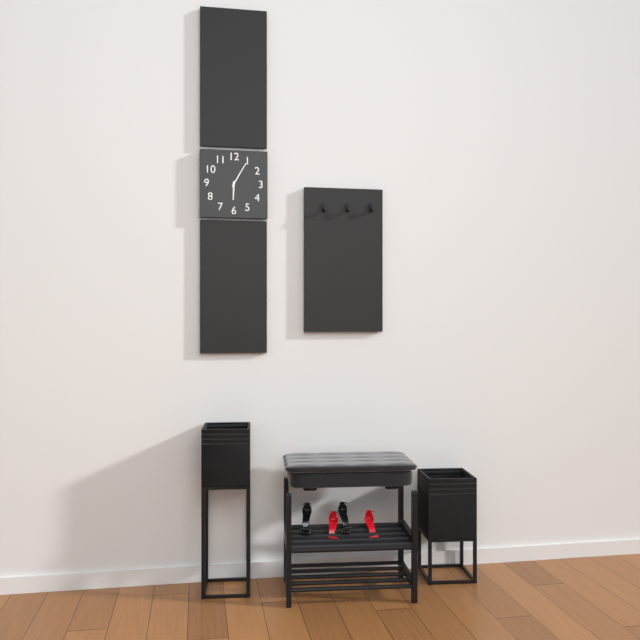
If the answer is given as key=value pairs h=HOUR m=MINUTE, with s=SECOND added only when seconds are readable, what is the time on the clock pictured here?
h=6 m=5
